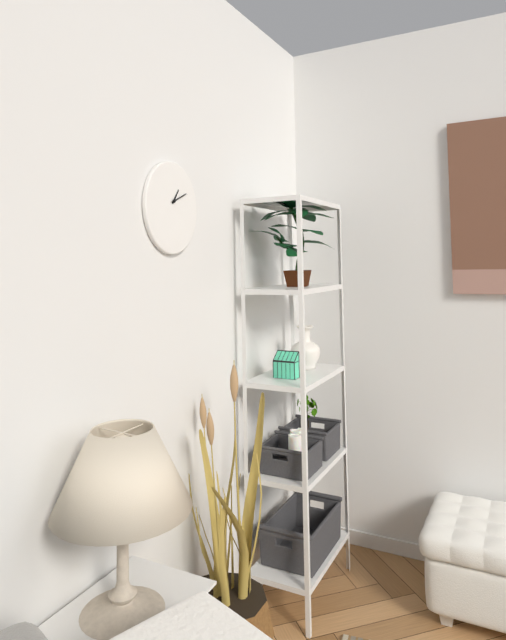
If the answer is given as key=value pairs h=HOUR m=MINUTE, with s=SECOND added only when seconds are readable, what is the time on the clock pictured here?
h=1 m=11
